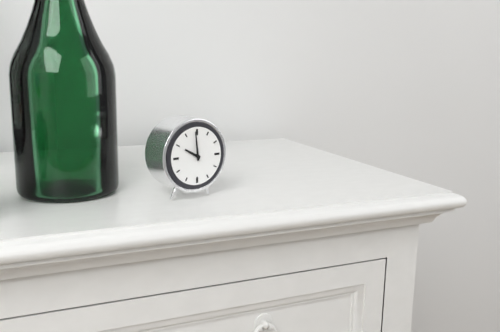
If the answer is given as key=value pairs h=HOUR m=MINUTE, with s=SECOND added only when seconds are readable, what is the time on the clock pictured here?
h=9 m=59
